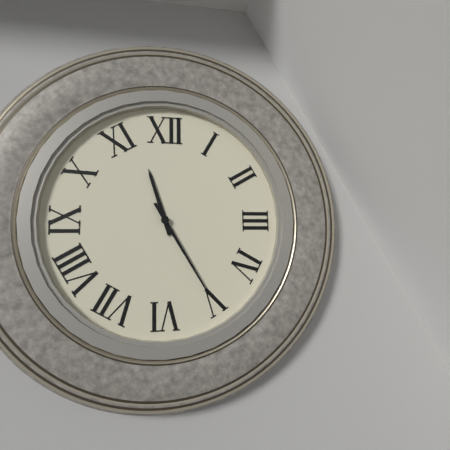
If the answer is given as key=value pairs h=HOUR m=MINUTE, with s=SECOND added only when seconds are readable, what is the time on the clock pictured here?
h=11 m=25
